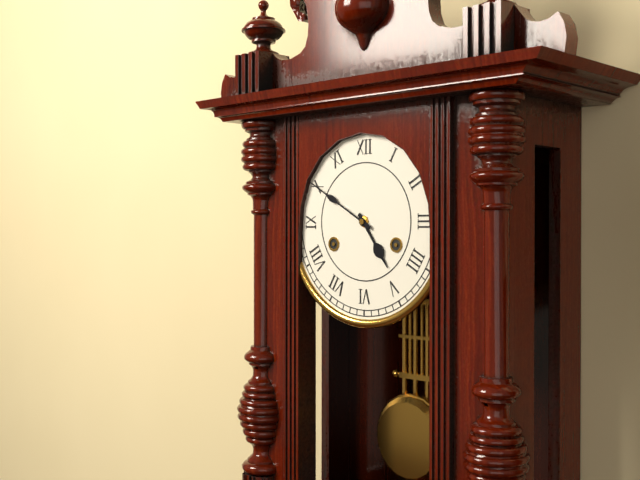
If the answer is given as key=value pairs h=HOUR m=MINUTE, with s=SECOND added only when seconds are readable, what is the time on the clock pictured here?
h=4 m=50
